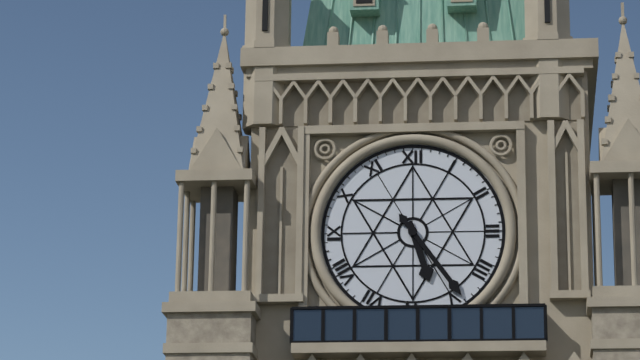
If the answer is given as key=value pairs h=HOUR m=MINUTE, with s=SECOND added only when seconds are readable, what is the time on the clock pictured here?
h=5 m=24
